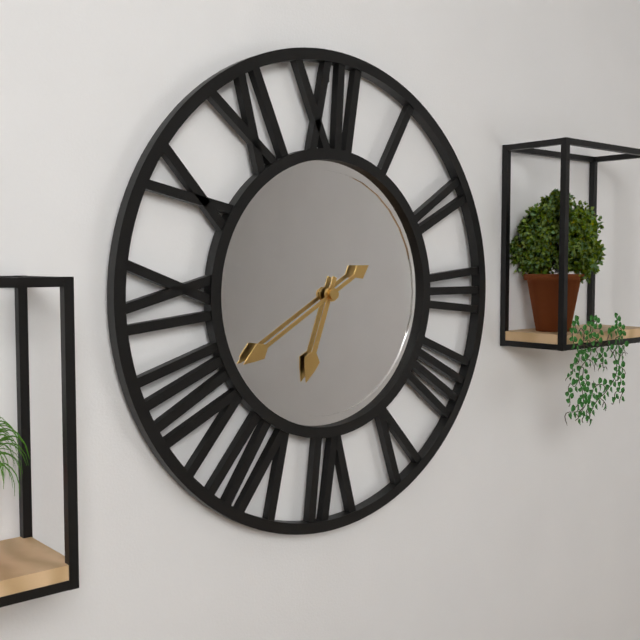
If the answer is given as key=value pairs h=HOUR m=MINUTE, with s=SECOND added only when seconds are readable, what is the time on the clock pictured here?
h=6 m=40
